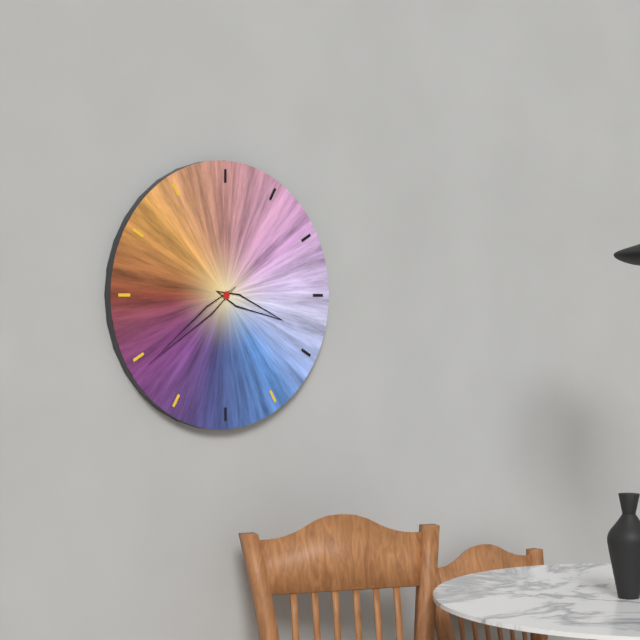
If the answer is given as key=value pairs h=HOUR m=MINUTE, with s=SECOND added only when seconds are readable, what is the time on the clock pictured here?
h=3 m=39
